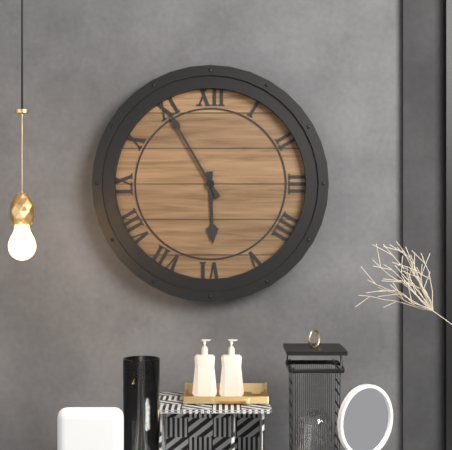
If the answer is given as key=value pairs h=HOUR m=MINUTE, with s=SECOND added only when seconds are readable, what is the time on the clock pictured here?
h=5 m=55
